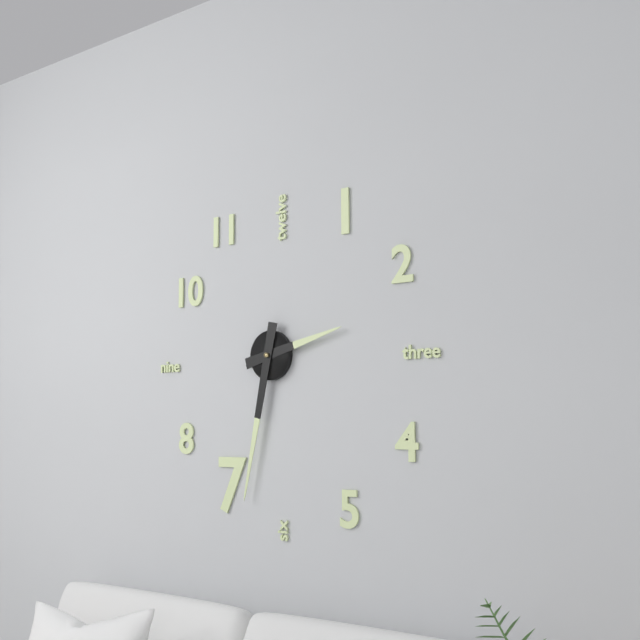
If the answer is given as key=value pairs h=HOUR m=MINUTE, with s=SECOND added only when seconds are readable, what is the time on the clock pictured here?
h=2 m=32
